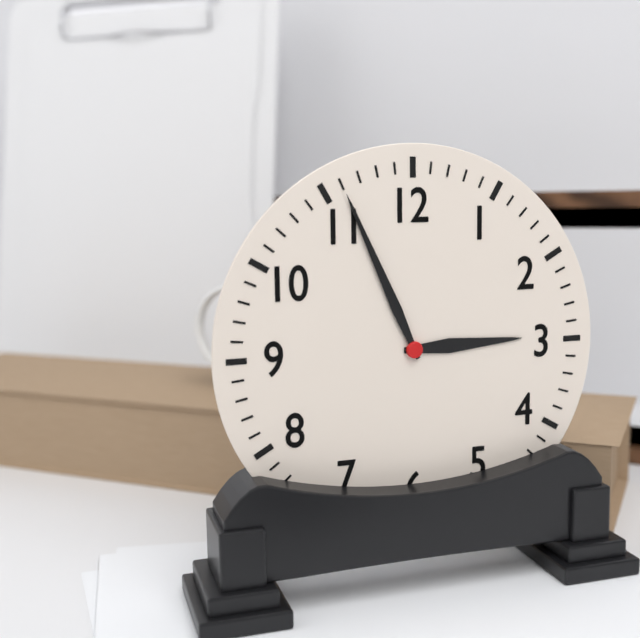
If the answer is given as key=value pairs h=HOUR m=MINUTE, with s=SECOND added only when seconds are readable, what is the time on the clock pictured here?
h=2 m=56
